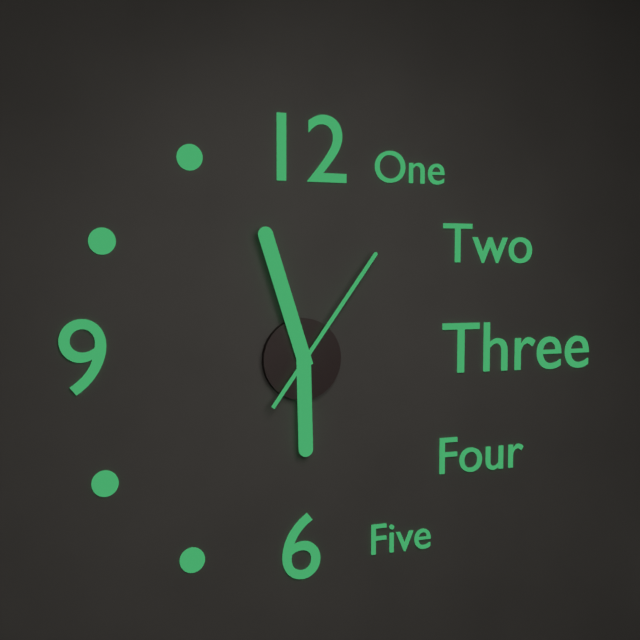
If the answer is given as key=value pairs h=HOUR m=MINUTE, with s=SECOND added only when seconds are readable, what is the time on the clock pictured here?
h=5 m=57 s=6
